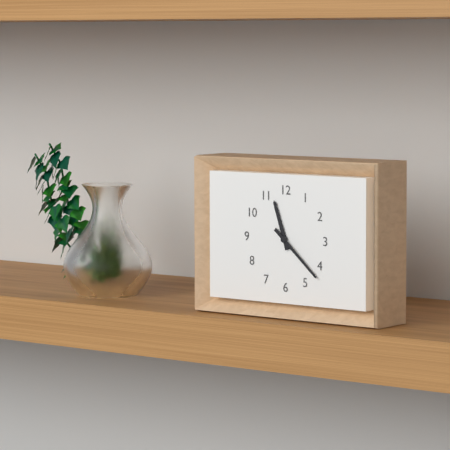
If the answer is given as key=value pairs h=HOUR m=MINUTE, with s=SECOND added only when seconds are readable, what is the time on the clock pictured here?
h=11 m=22
